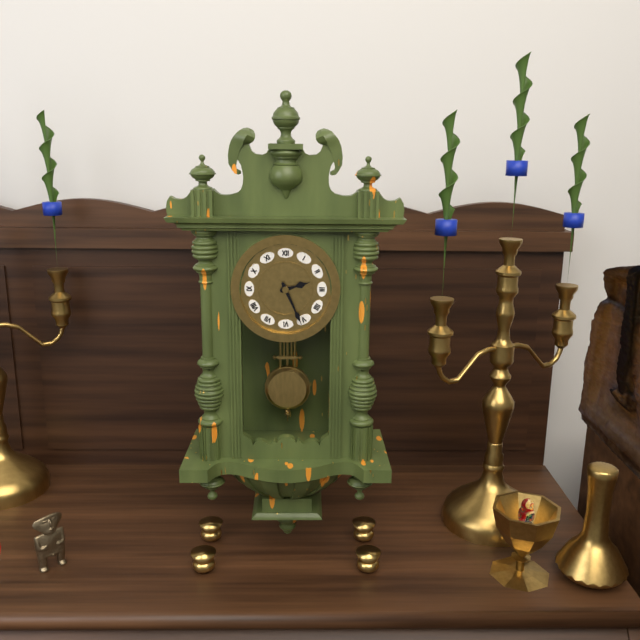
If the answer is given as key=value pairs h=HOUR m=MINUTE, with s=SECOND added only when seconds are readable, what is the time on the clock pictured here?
h=2 m=26
